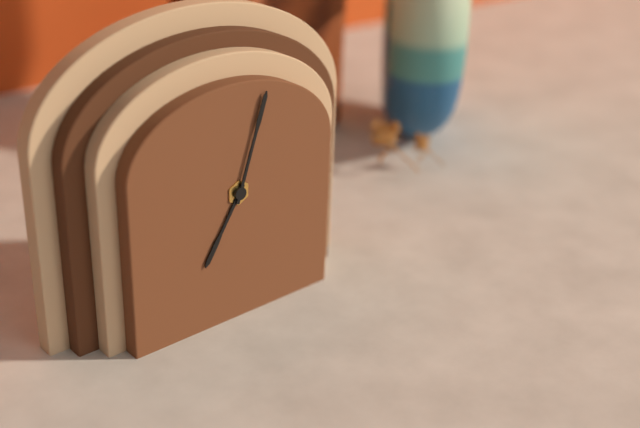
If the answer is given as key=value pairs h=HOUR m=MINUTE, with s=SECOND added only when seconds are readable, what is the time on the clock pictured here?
h=7 m=3
